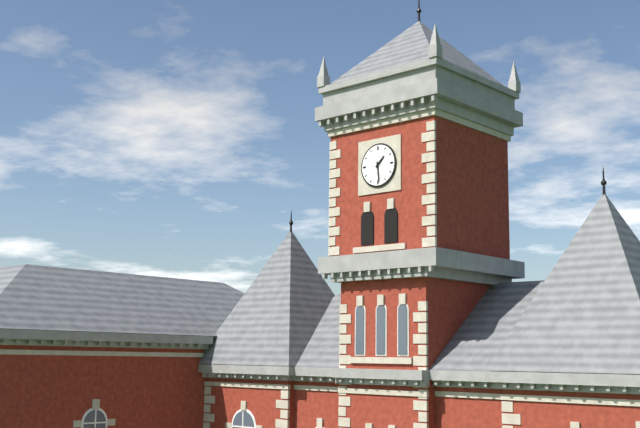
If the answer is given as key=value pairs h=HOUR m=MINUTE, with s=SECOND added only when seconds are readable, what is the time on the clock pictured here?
h=1 m=29
